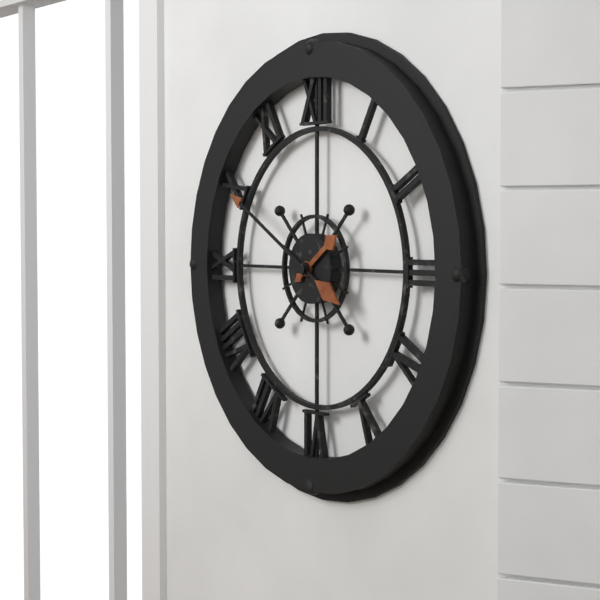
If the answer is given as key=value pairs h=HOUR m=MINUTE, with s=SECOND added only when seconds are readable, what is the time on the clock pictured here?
h=1 m=50
